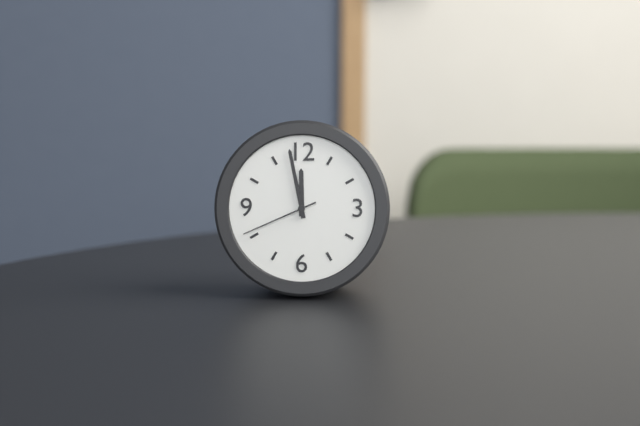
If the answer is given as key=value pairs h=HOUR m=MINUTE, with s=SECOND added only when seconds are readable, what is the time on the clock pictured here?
h=11 m=58 s=41
